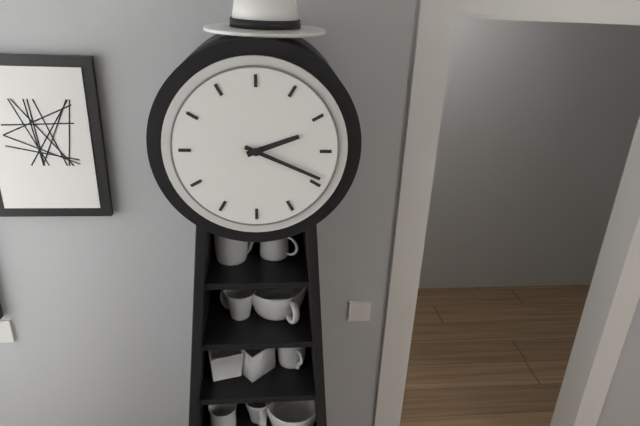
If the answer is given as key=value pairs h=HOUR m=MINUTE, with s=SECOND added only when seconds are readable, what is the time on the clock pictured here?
h=2 m=19
